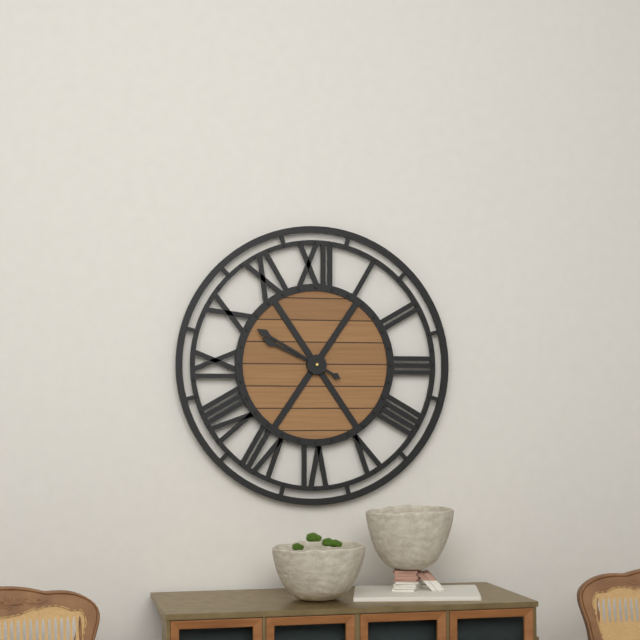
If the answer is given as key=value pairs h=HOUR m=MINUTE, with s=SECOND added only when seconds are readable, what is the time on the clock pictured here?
h=9 m=50
